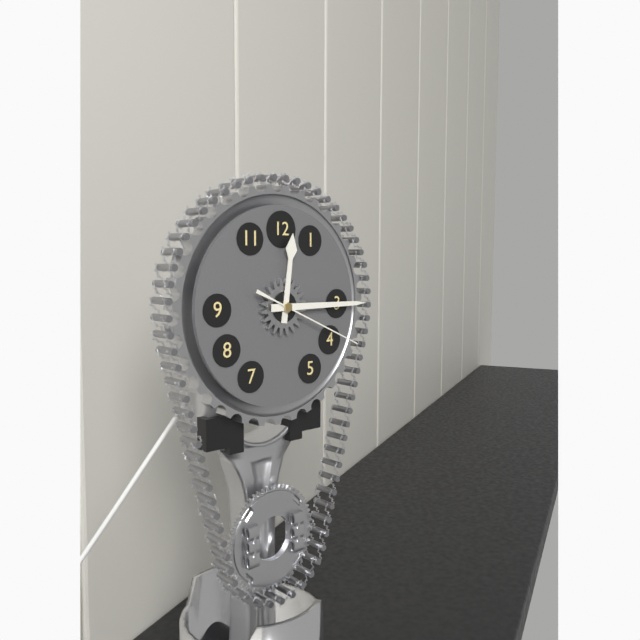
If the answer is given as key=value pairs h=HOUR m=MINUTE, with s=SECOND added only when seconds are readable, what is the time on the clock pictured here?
h=12 m=15 s=19
